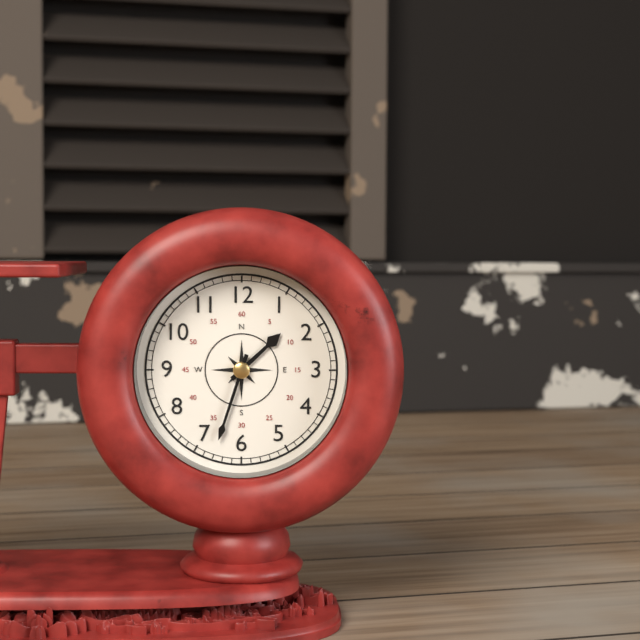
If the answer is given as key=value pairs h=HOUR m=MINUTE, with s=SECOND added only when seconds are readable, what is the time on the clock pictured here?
h=1 m=33
